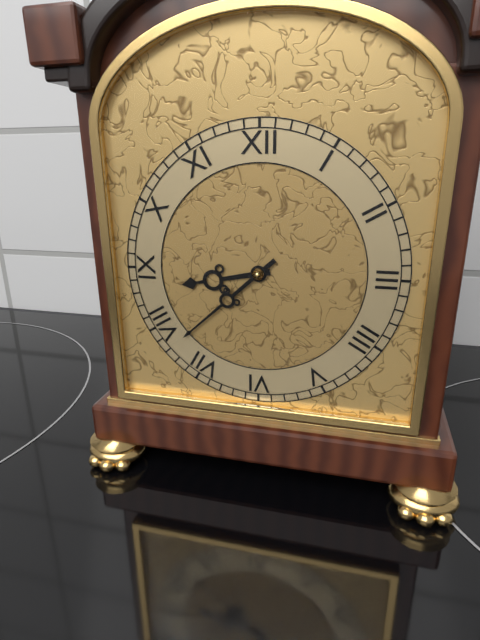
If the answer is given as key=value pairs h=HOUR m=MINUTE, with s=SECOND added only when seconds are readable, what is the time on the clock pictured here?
h=8 m=38
